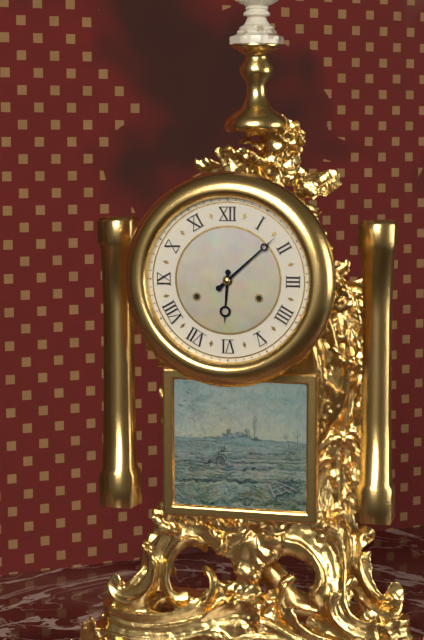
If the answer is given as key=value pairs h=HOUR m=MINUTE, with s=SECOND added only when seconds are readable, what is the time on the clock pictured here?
h=6 m=8
